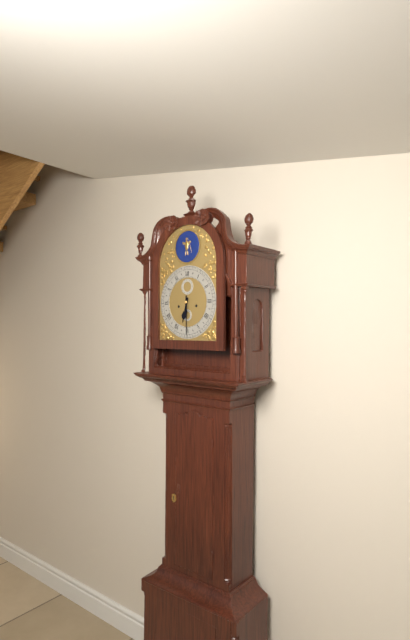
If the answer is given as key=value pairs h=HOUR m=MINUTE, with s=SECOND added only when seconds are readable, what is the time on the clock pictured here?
h=6 m=30
